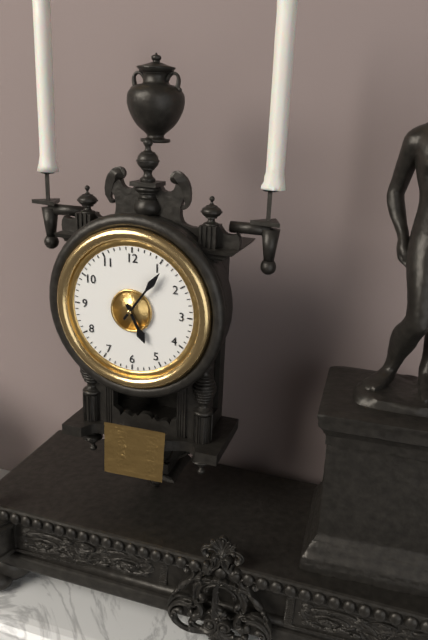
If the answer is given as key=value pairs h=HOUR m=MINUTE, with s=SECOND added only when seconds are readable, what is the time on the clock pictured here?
h=5 m=6
